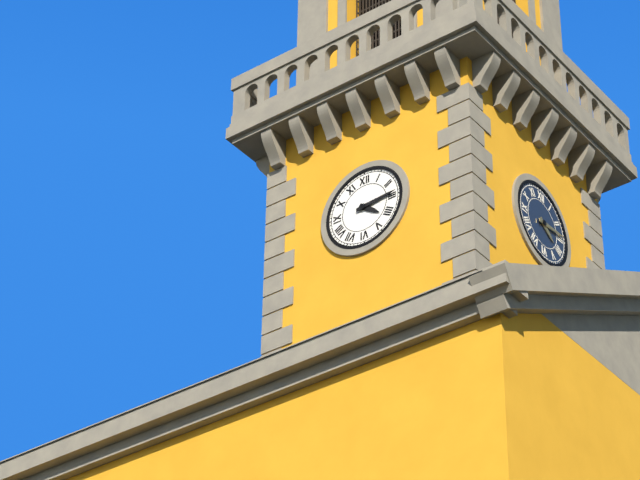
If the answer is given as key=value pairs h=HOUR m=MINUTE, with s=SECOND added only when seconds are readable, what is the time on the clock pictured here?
h=4 m=14
